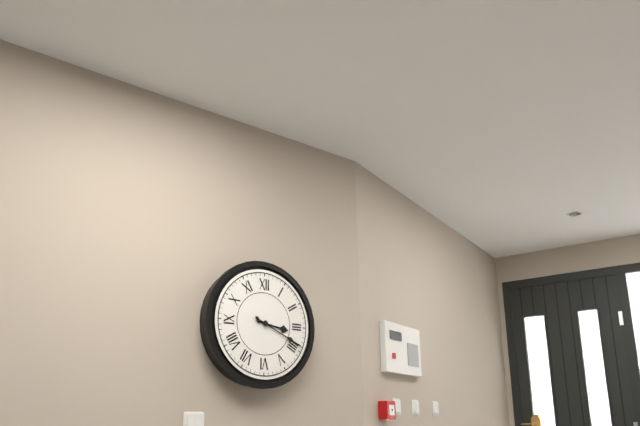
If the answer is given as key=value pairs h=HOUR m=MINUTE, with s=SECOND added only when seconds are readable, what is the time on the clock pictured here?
h=3 m=19
